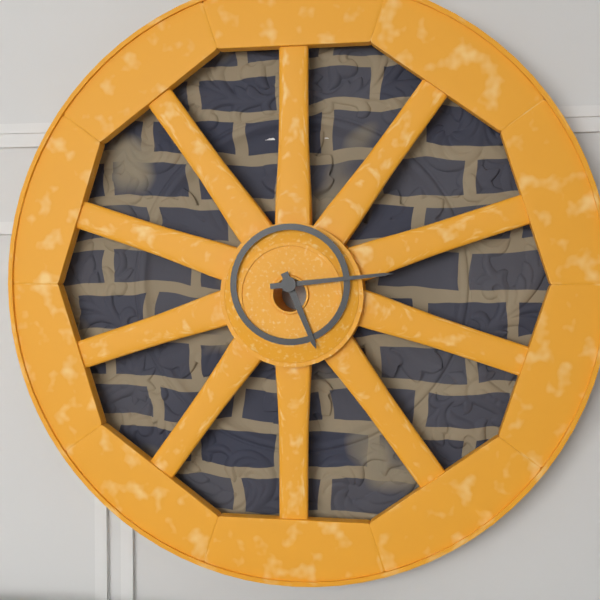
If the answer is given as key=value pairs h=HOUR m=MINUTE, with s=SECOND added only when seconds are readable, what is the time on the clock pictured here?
h=5 m=14
